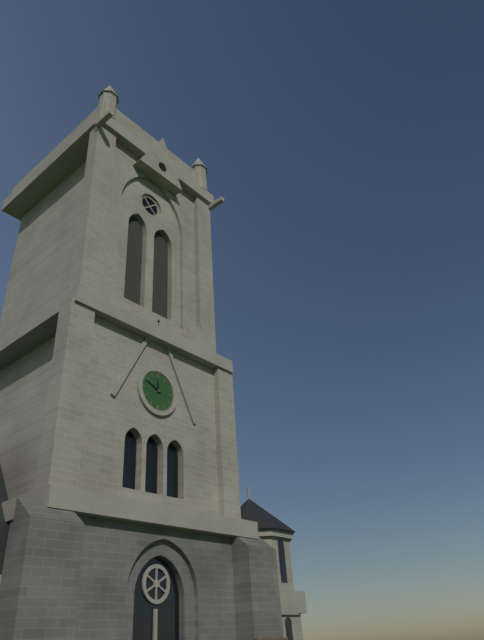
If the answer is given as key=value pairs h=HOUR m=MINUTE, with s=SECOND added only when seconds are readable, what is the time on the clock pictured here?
h=11 m=49
